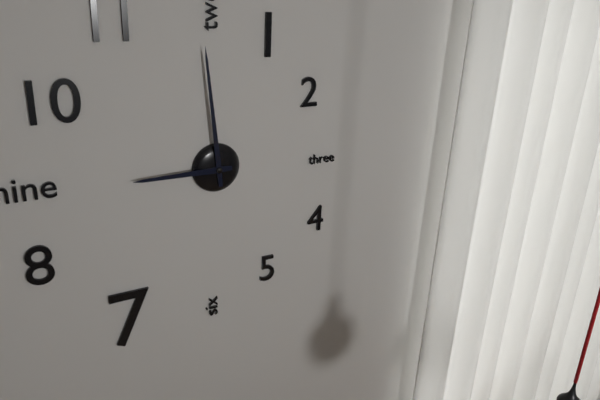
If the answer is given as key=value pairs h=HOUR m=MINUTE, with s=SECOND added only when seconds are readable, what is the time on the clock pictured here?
h=8 m=59
